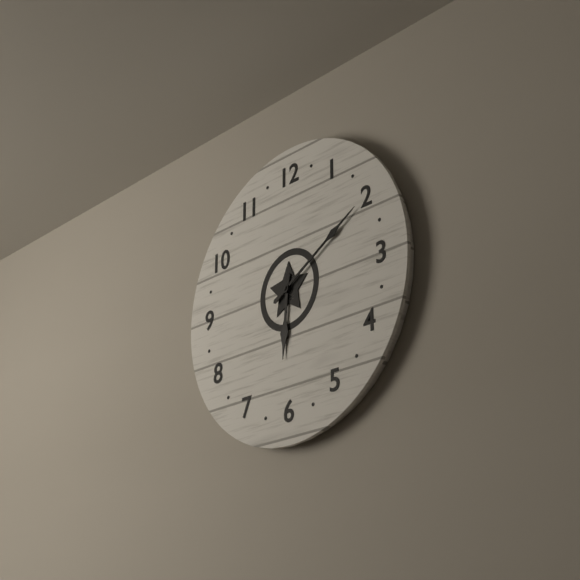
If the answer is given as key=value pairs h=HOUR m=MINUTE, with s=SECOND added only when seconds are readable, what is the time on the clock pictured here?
h=6 m=10
